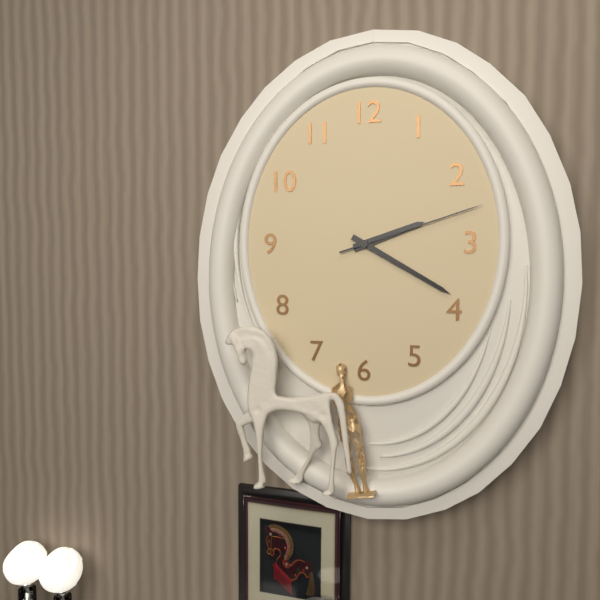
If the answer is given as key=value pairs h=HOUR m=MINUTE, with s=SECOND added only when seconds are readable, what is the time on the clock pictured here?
h=2 m=20 s=12
